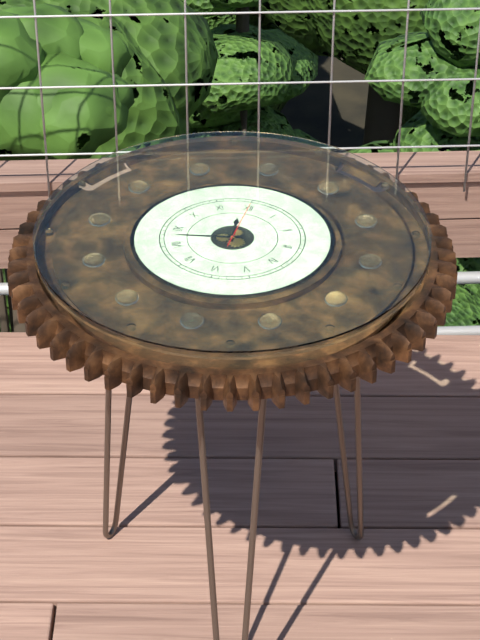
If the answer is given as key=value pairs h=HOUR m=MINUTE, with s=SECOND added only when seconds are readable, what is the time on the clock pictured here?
h=11 m=43
